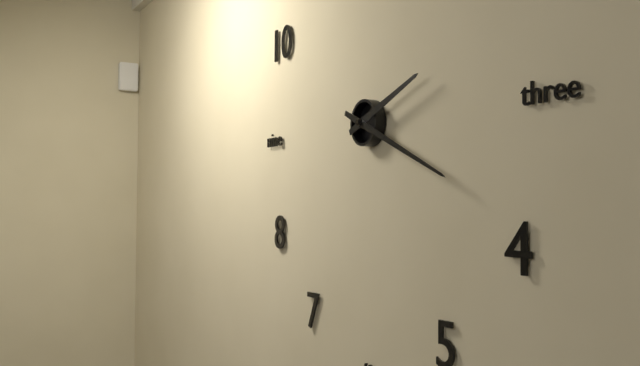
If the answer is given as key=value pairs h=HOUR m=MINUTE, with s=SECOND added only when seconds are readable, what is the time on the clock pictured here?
h=2 m=19
